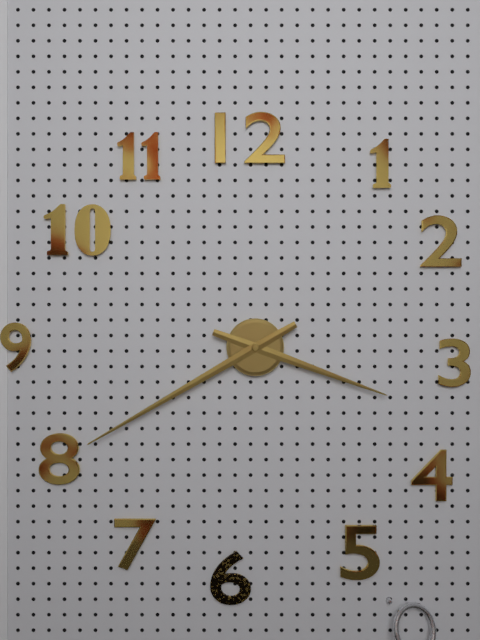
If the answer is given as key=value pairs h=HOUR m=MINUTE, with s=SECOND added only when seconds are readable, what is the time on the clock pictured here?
h=3 m=40
